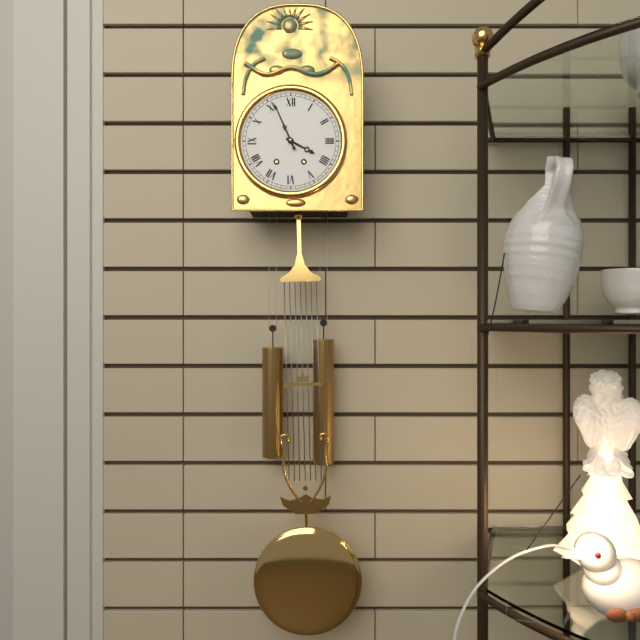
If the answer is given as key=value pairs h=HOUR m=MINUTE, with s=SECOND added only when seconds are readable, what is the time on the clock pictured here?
h=3 m=56
